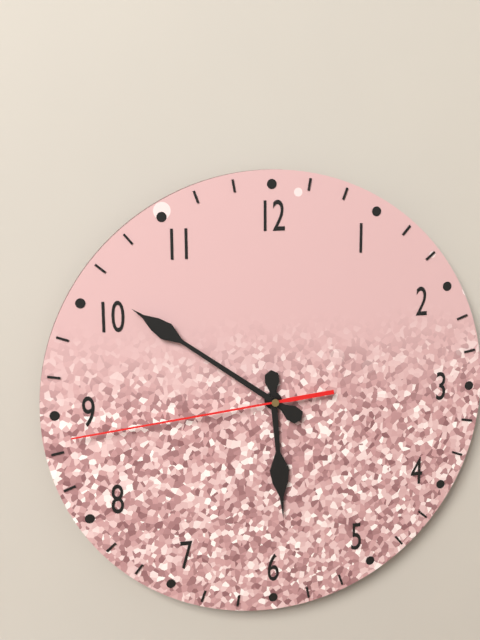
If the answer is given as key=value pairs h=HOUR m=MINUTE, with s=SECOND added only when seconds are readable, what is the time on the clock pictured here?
h=5 m=51 s=44
